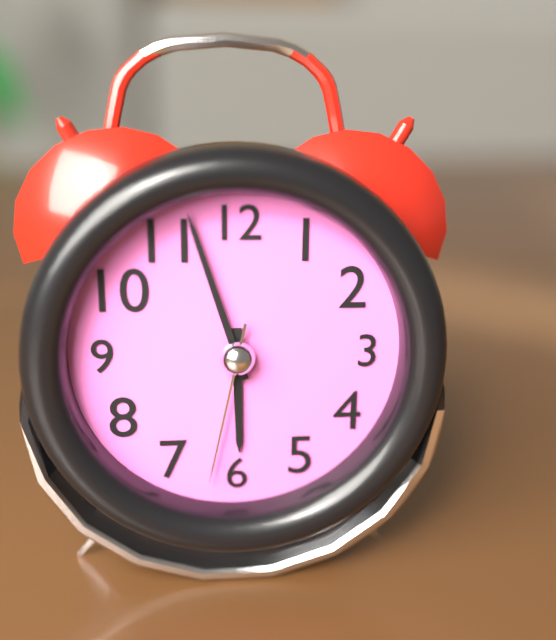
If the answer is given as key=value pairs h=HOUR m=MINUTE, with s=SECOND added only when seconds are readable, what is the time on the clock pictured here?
h=5 m=57 s=32
